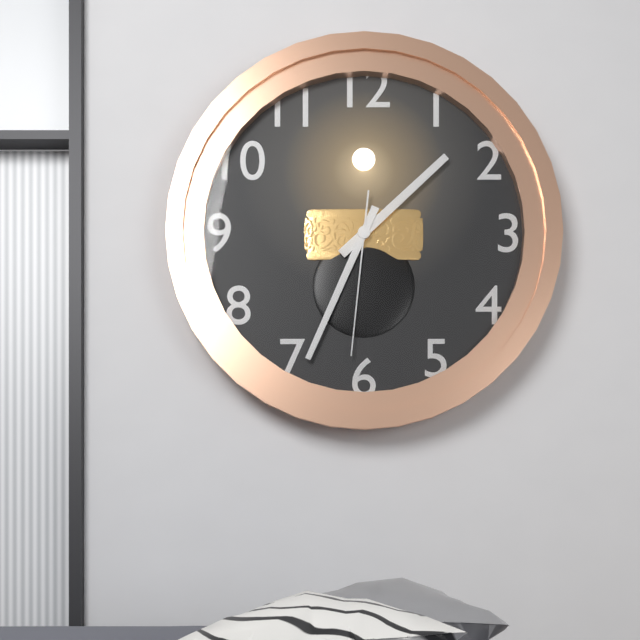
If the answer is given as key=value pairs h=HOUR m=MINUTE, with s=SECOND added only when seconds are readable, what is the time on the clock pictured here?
h=1 m=34 s=31
